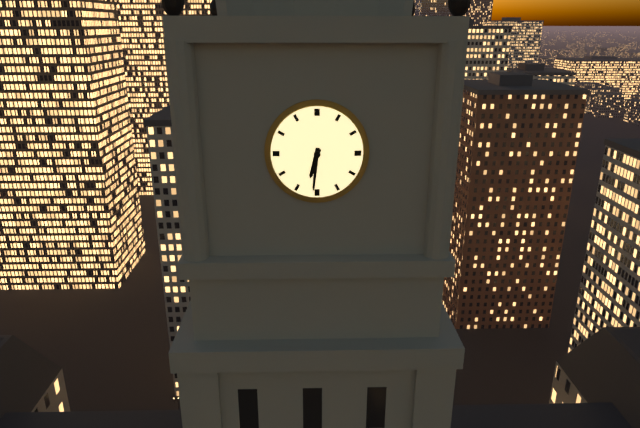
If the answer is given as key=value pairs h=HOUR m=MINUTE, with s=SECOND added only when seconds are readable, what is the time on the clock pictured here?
h=6 m=31
